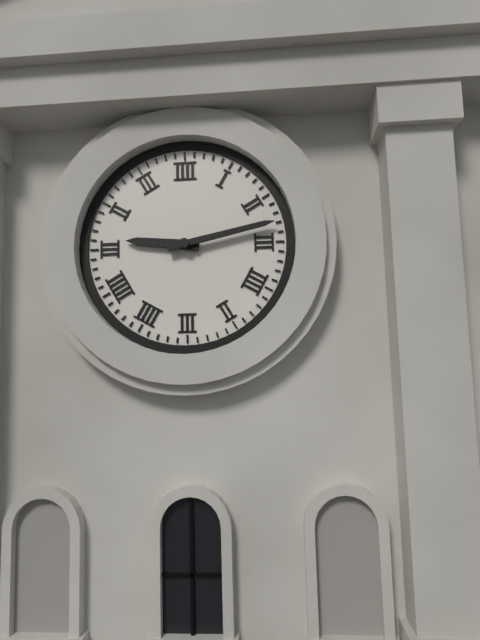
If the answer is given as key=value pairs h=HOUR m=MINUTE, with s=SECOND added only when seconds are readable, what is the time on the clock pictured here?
h=9 m=13
